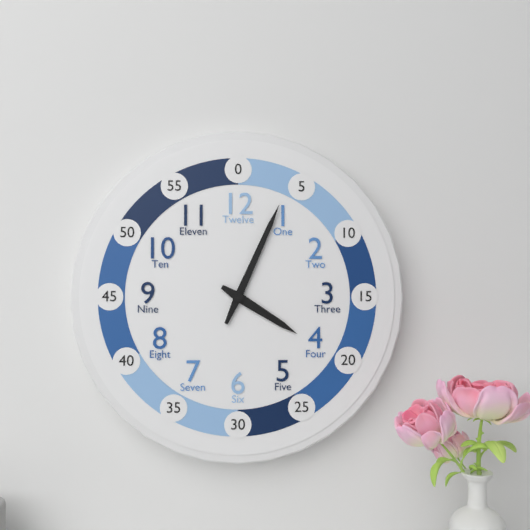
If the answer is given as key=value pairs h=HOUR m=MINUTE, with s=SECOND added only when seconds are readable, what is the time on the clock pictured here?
h=4 m=4
